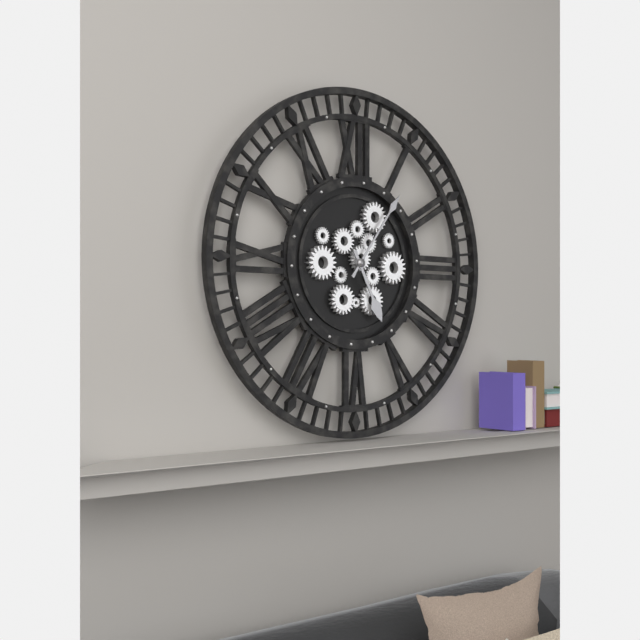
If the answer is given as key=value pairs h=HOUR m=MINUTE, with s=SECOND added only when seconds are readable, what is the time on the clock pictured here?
h=5 m=6
